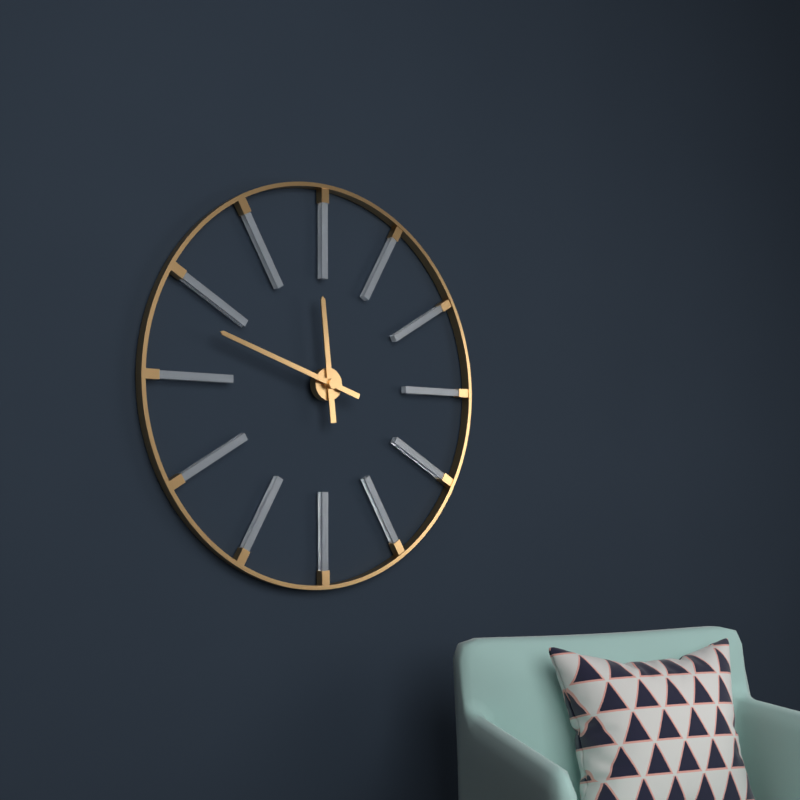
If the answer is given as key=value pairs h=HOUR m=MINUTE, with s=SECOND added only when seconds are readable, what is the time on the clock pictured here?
h=11 m=48
